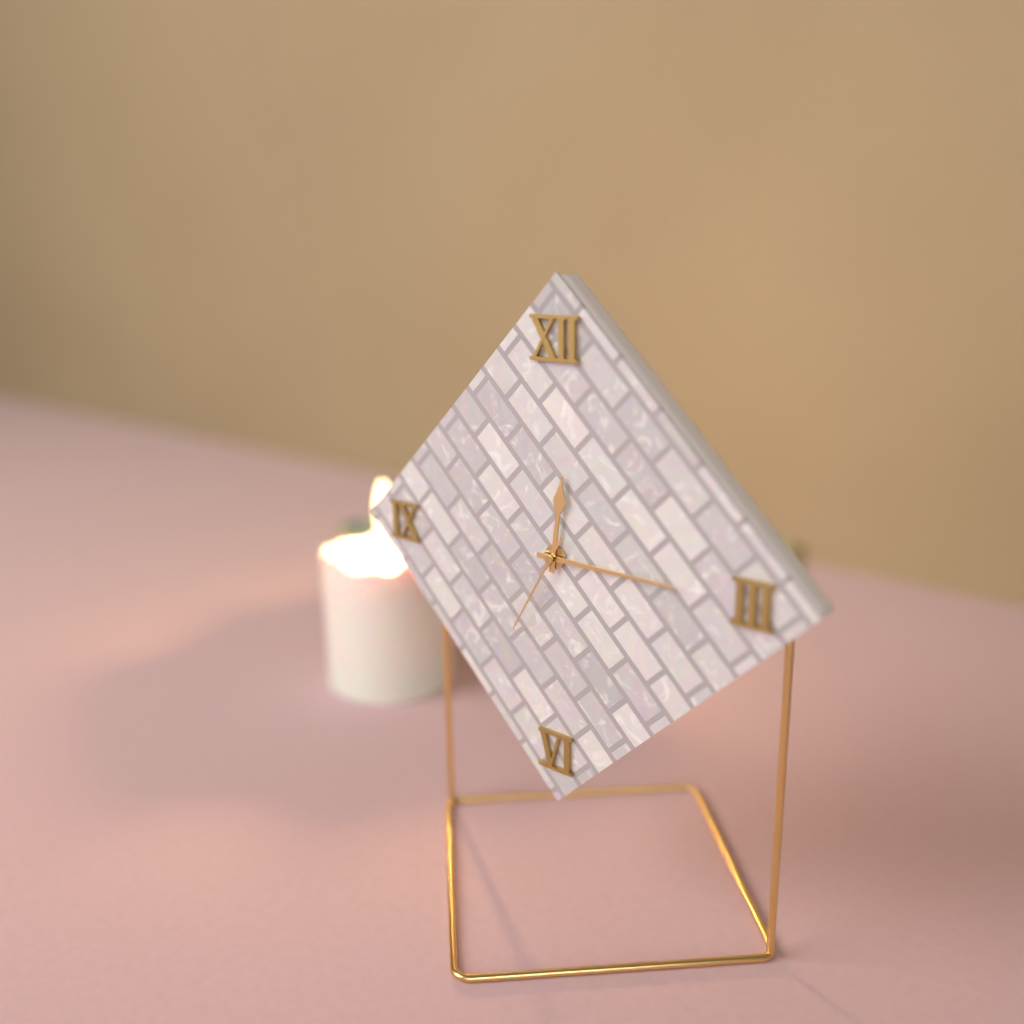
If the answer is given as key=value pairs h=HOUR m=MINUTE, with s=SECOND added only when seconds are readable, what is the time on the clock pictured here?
h=12 m=15 s=35
